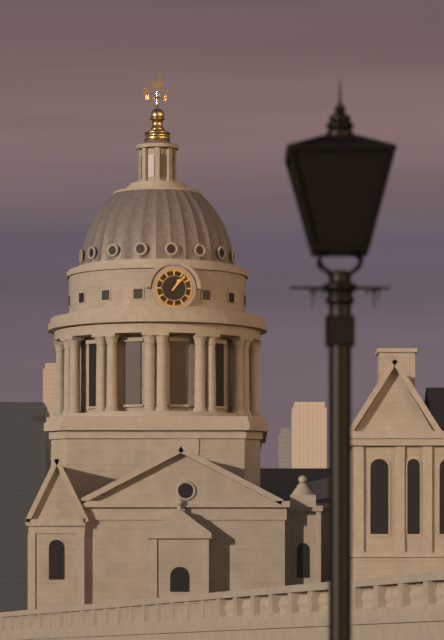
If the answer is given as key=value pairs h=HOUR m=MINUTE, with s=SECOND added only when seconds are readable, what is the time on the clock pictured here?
h=1 m=7
